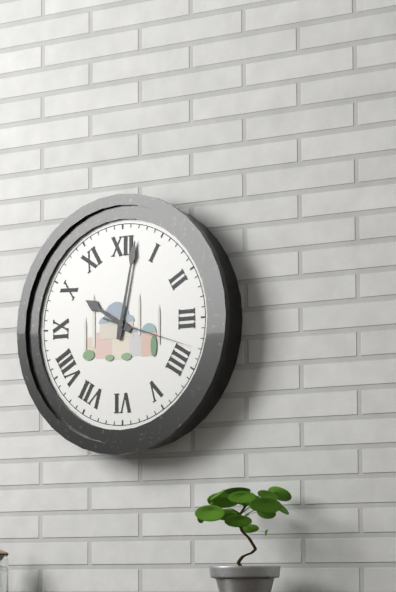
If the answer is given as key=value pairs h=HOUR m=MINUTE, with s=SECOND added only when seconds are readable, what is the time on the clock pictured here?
h=10 m=2 s=18
